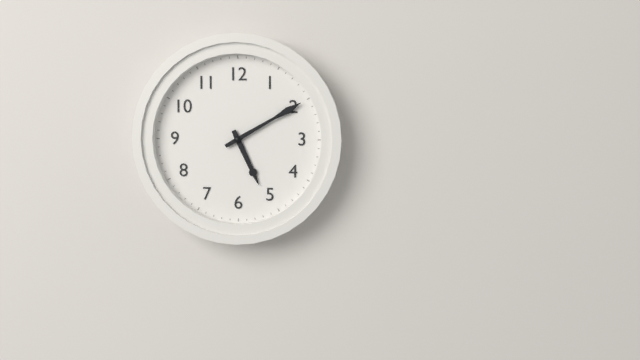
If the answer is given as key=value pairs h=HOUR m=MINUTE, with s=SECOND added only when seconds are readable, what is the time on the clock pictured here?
h=5 m=10
